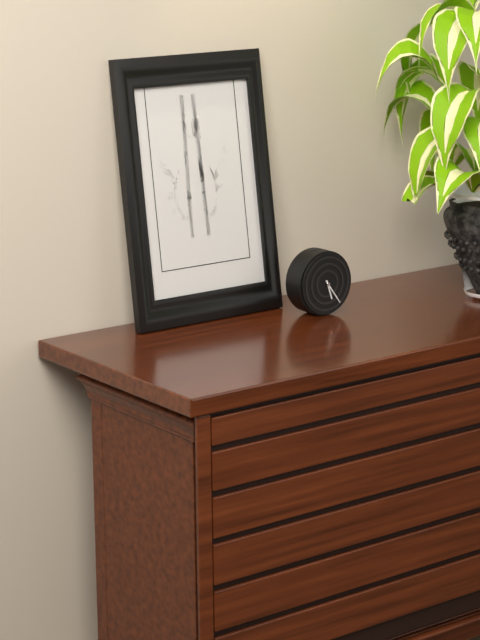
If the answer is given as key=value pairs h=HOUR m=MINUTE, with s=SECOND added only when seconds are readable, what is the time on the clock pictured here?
h=5 m=24
